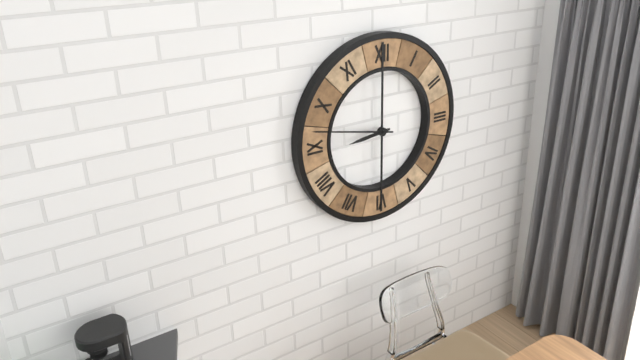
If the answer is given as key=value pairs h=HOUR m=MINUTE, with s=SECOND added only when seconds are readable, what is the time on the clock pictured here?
h=8 m=47
